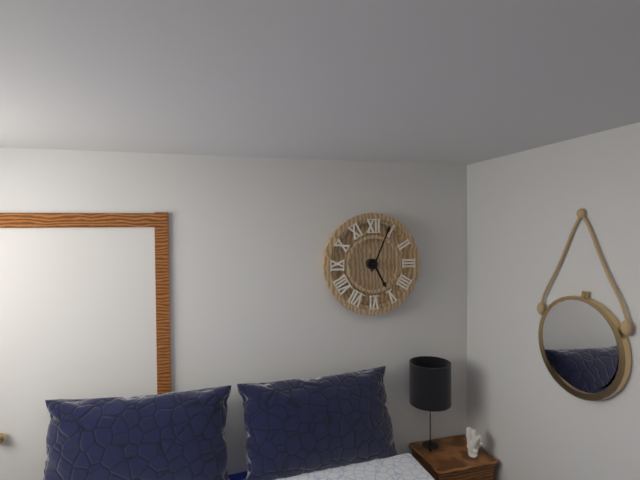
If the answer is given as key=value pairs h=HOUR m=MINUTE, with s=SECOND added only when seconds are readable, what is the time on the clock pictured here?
h=5 m=4
